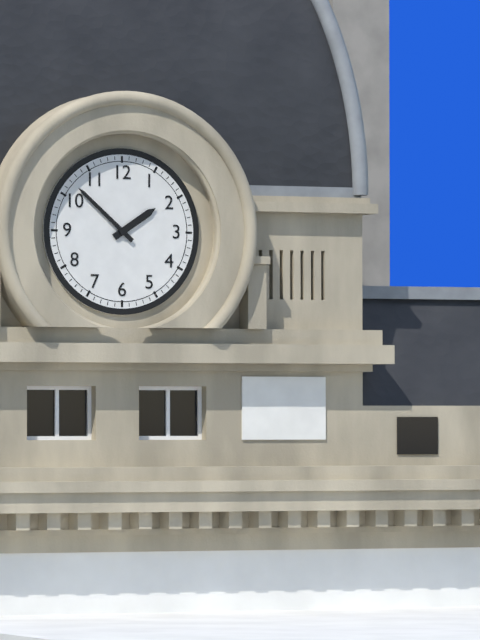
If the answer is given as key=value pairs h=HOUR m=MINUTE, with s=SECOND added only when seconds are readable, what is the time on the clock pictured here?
h=1 m=52
